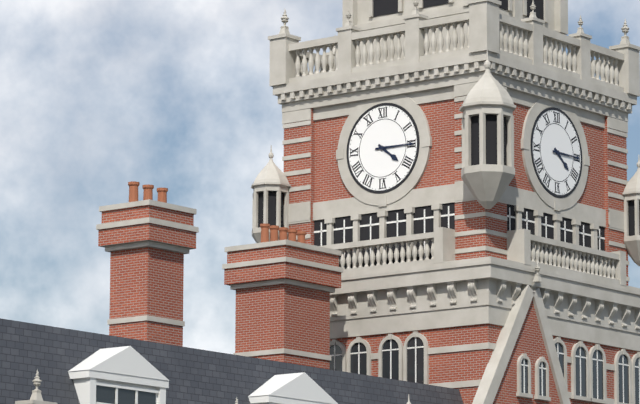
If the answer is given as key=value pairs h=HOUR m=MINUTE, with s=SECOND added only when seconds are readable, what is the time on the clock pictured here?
h=4 m=15
